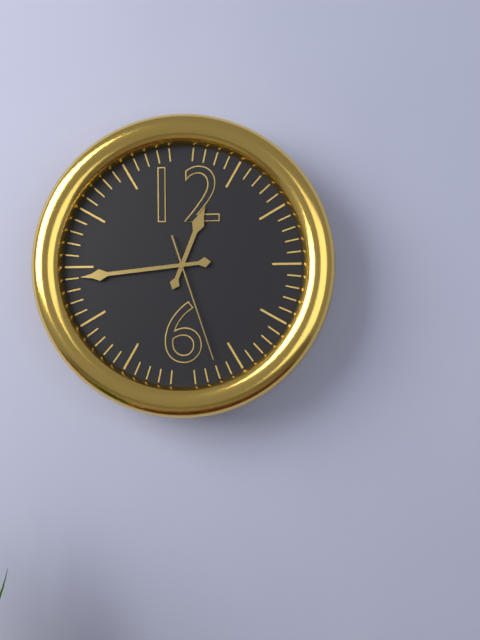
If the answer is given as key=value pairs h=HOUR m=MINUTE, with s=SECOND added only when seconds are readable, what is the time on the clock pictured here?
h=12 m=44 s=27
